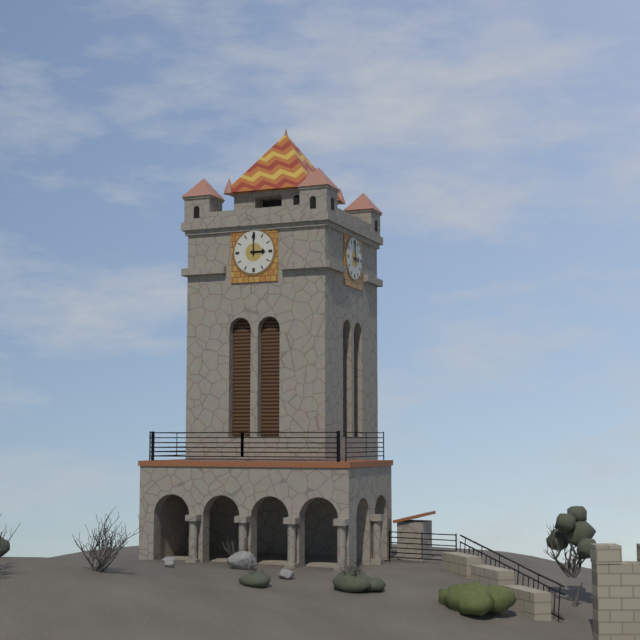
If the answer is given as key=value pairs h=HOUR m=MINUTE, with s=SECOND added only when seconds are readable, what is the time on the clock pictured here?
h=3 m=0
